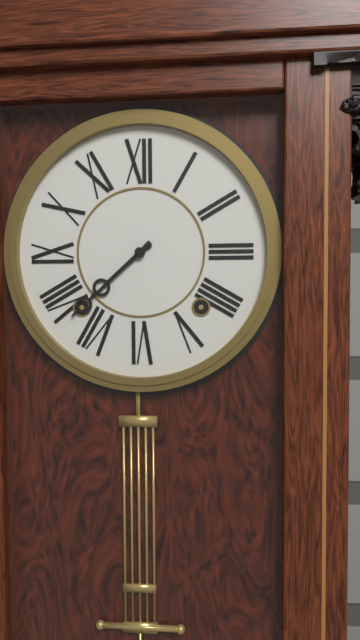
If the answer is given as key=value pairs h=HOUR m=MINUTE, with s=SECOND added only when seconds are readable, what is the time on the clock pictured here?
h=7 m=38
